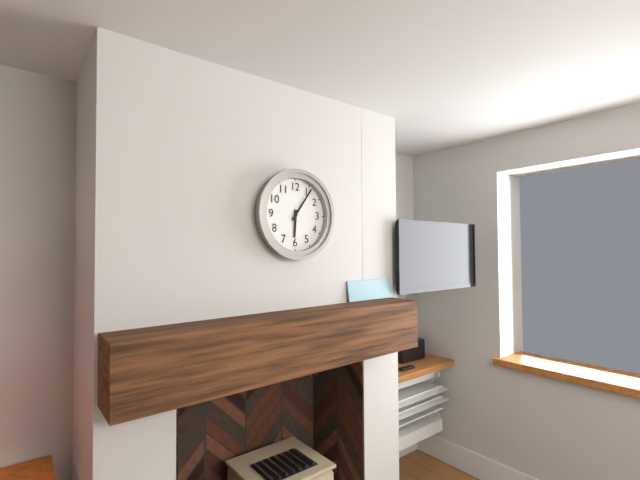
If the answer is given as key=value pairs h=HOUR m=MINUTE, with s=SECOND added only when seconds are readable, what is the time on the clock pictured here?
h=6 m=6
